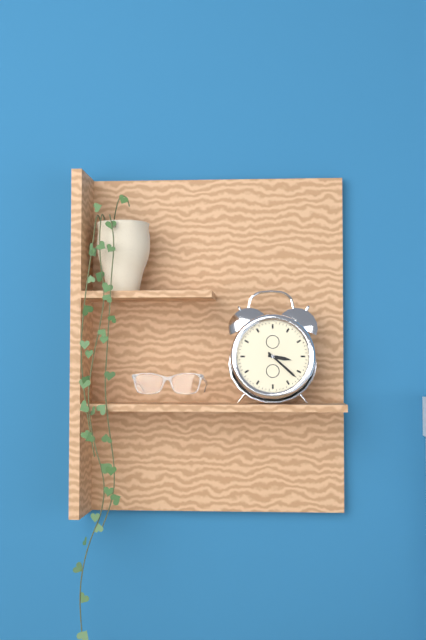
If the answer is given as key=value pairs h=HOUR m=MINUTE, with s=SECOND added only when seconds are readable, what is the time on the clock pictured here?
h=3 m=22
